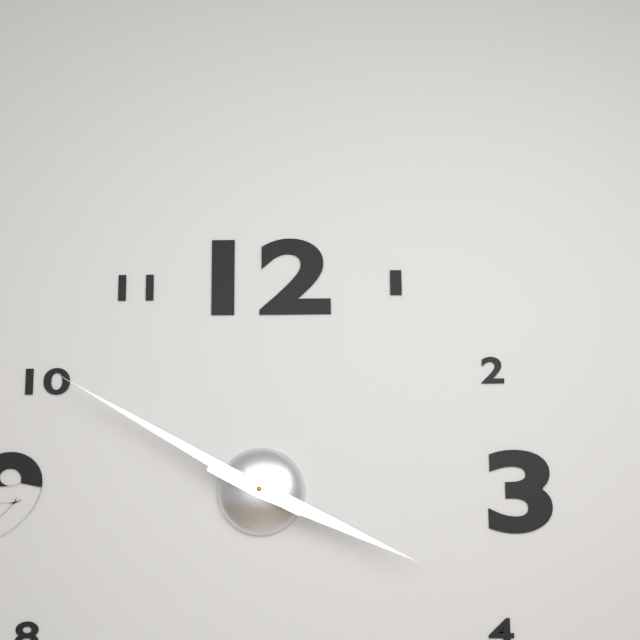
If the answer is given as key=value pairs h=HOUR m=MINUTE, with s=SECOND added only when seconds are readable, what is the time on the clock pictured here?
h=3 m=50
